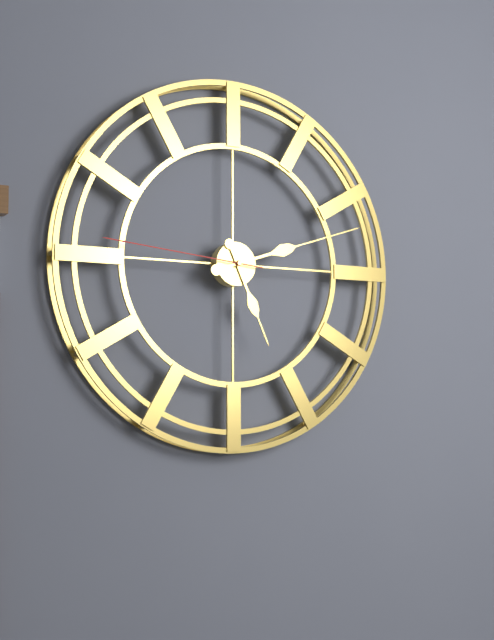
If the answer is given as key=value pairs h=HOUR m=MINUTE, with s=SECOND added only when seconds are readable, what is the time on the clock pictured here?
h=5 m=12 s=46
